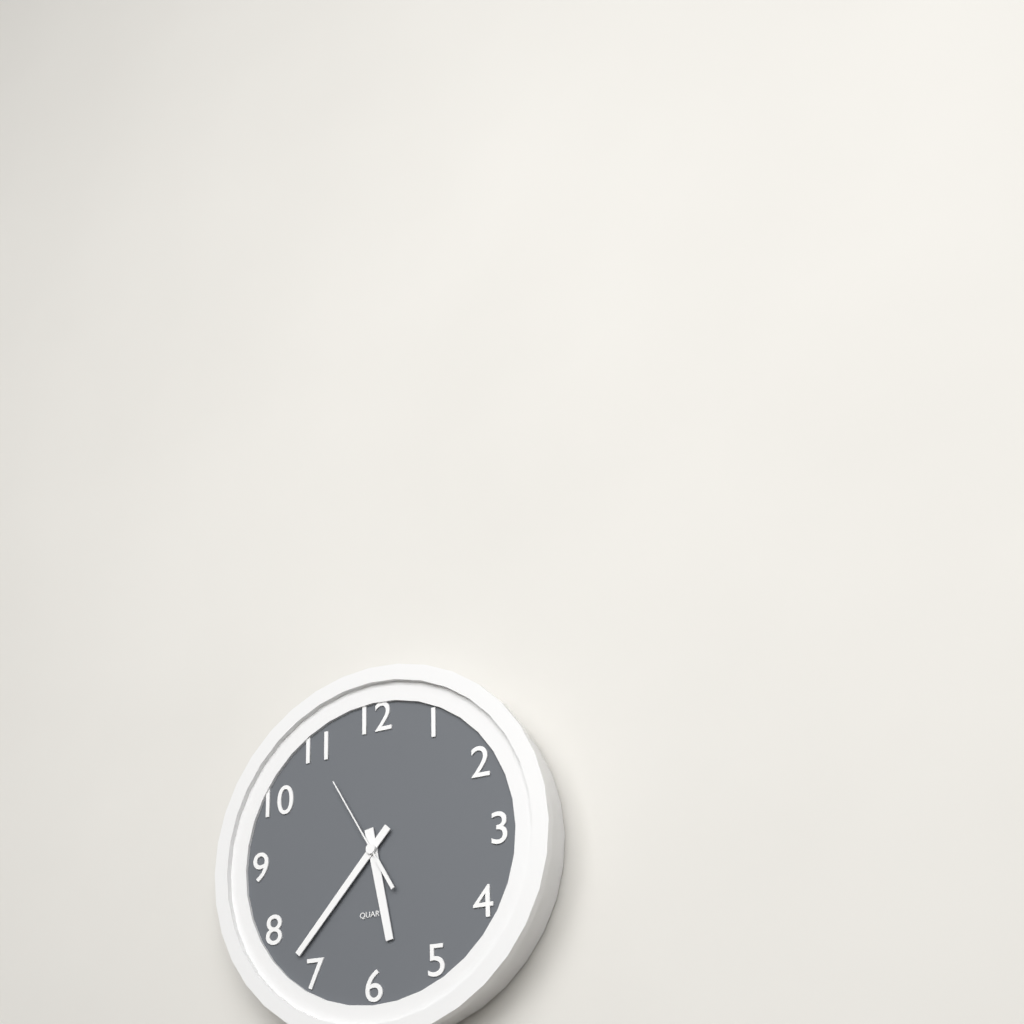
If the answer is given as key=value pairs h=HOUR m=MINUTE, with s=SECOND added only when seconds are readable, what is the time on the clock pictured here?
h=5 m=37 s=55
